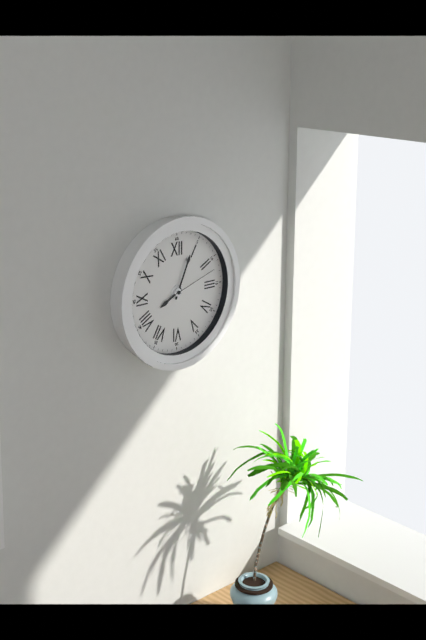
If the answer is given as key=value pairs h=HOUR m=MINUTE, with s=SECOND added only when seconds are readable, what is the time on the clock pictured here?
h=8 m=4 s=12
